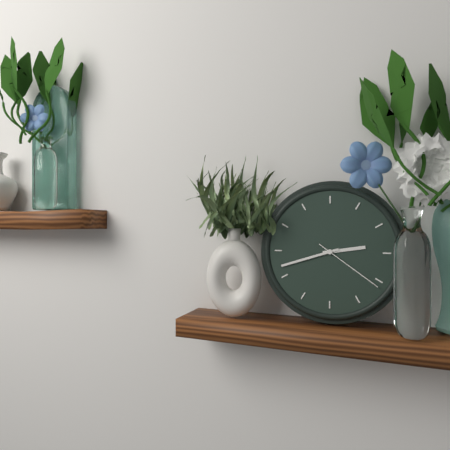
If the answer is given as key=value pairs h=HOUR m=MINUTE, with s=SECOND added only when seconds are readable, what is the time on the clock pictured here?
h=2 m=42 s=21
